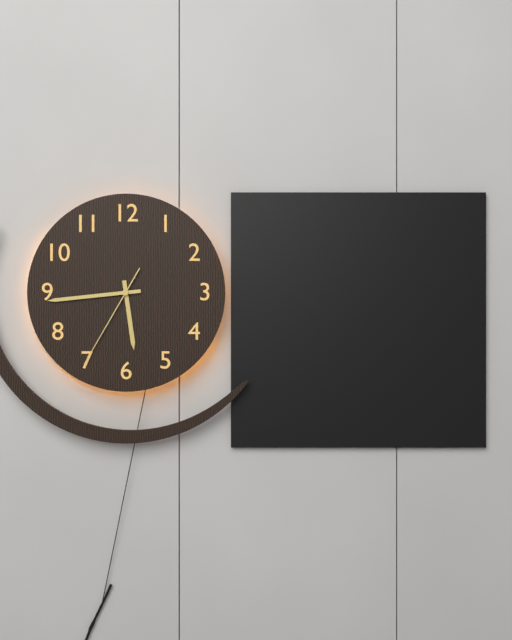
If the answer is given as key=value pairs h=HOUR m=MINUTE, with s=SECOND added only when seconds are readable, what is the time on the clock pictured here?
h=5 m=44 s=35
